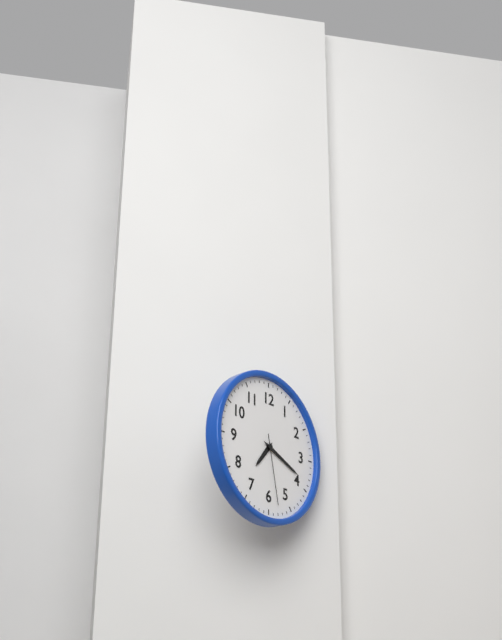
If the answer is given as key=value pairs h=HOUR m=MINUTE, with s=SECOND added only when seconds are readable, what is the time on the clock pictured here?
h=7 m=19 s=28
